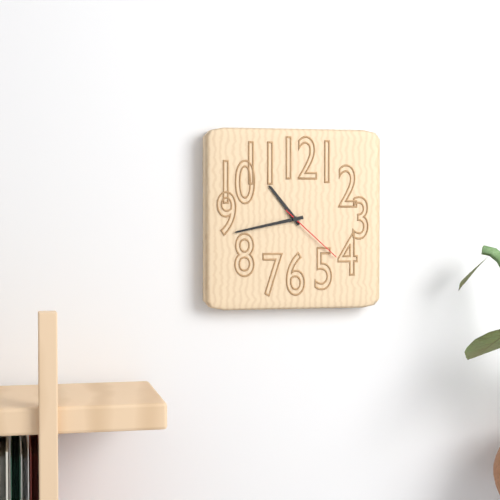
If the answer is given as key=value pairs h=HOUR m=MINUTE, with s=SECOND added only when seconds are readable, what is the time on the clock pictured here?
h=10 m=43 s=22
